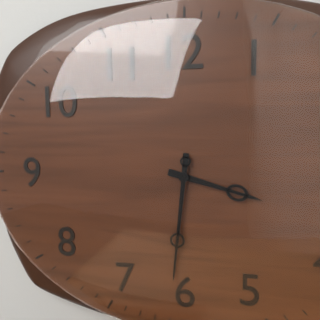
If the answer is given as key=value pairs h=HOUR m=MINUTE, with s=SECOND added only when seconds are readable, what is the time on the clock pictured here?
h=3 m=31
